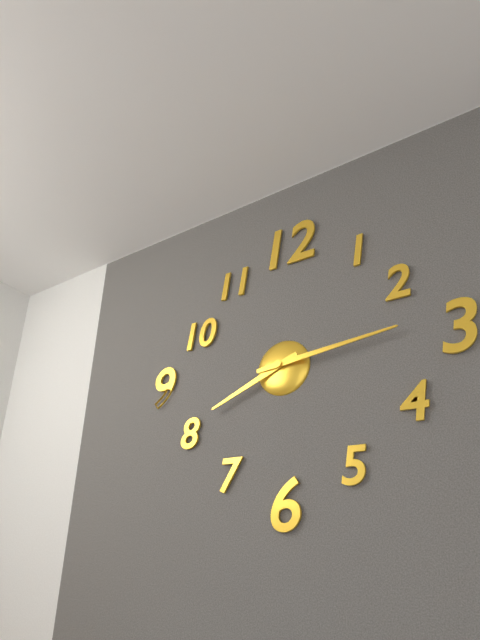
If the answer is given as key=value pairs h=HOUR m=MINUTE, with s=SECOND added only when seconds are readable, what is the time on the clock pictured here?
h=8 m=14
